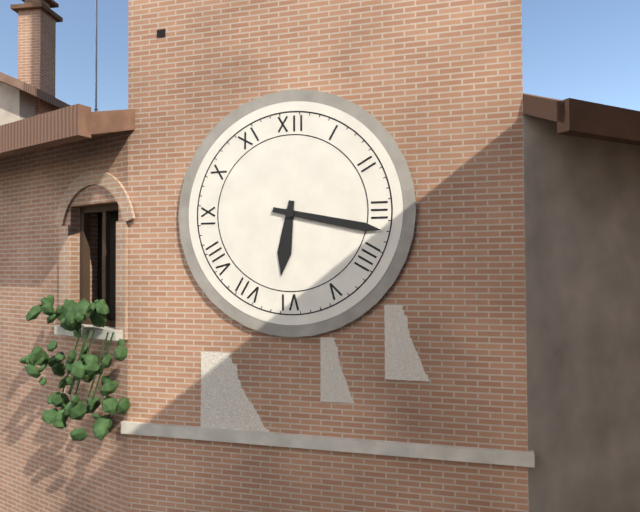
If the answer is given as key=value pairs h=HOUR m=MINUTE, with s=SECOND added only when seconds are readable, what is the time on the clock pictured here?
h=6 m=17
